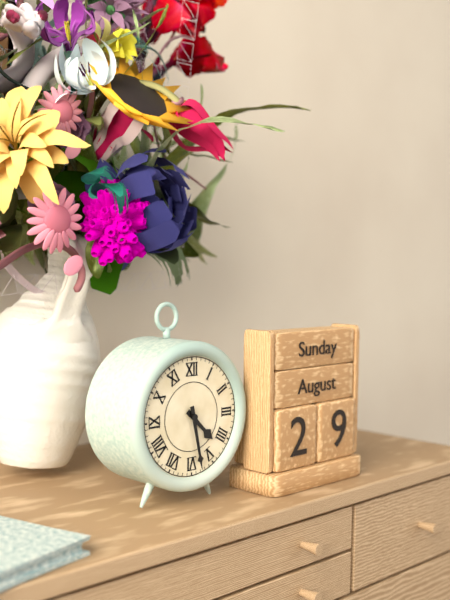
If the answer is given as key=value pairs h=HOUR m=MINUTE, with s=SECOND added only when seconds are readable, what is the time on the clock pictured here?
h=4 m=28
